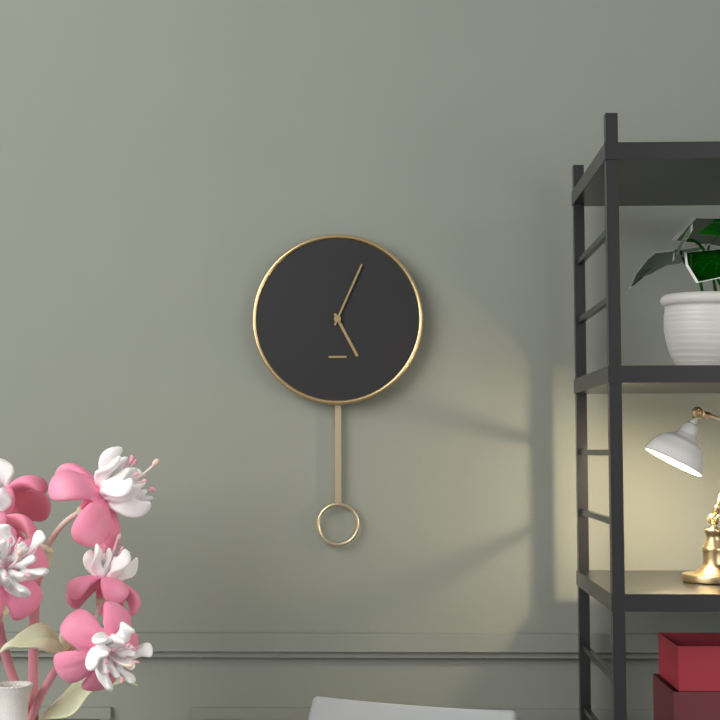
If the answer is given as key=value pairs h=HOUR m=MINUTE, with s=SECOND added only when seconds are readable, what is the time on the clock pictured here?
h=5 m=4
